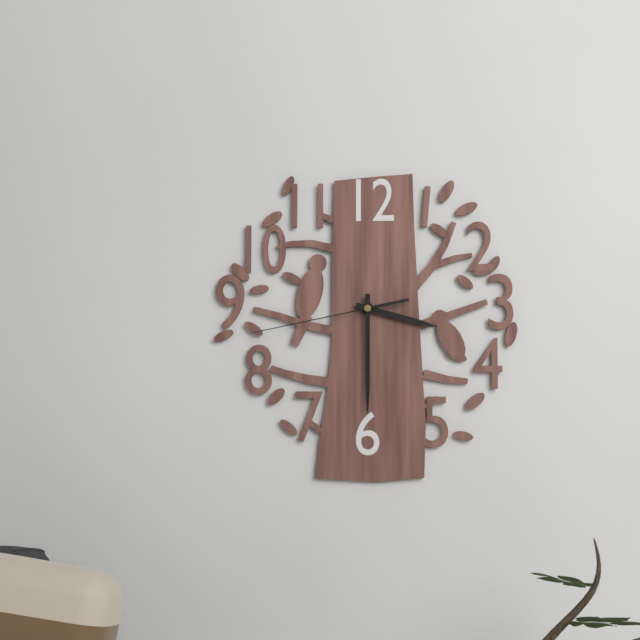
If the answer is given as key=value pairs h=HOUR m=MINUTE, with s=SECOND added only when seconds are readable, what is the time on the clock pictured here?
h=3 m=30 s=43
